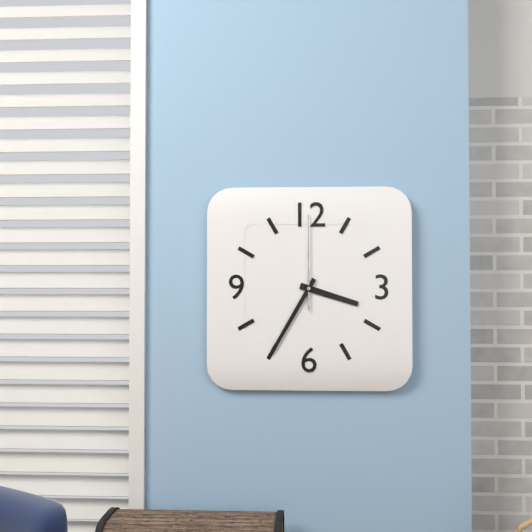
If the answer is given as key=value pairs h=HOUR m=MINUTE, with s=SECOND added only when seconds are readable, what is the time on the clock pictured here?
h=3 m=35 s=0
